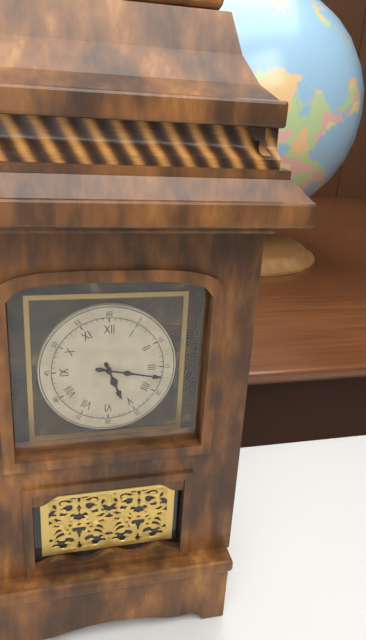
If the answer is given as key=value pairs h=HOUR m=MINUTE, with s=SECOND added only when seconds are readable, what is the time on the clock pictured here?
h=5 m=17
